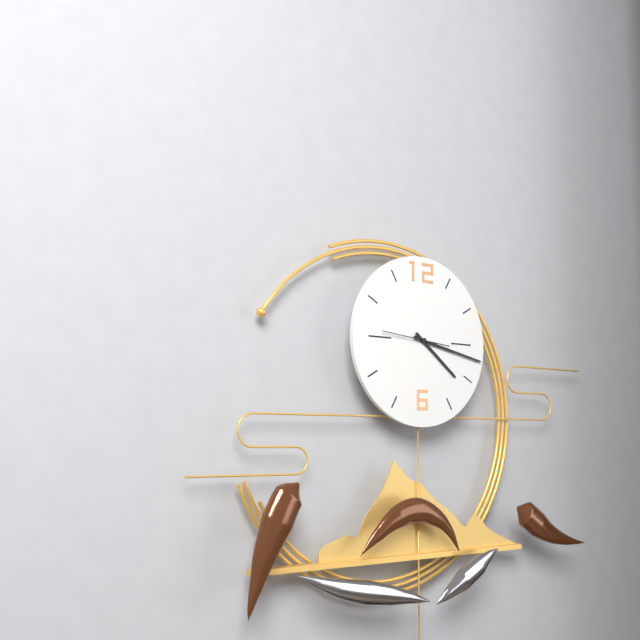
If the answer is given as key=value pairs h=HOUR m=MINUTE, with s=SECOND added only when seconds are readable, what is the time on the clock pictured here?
h=4 m=17
